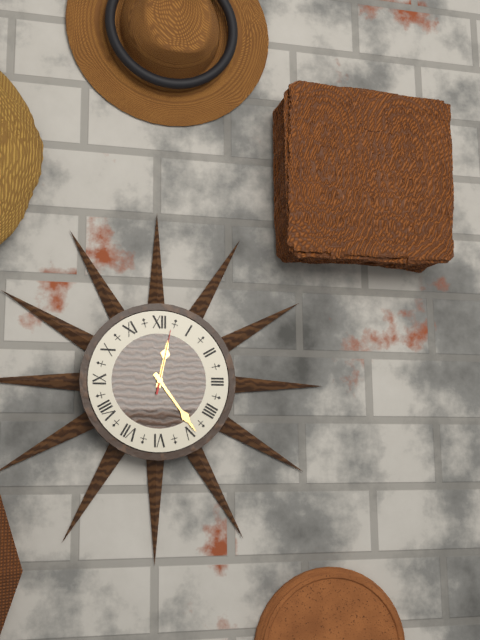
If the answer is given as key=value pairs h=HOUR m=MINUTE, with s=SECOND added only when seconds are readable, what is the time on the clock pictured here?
h=12 m=24 s=2
